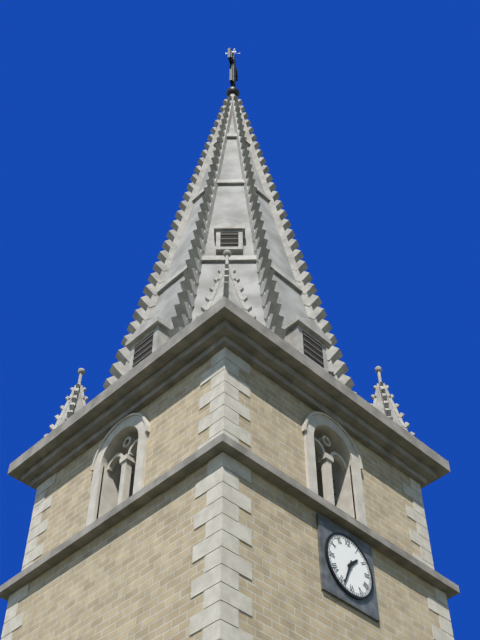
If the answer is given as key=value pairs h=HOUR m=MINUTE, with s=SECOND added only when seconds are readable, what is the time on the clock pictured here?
h=1 m=34
